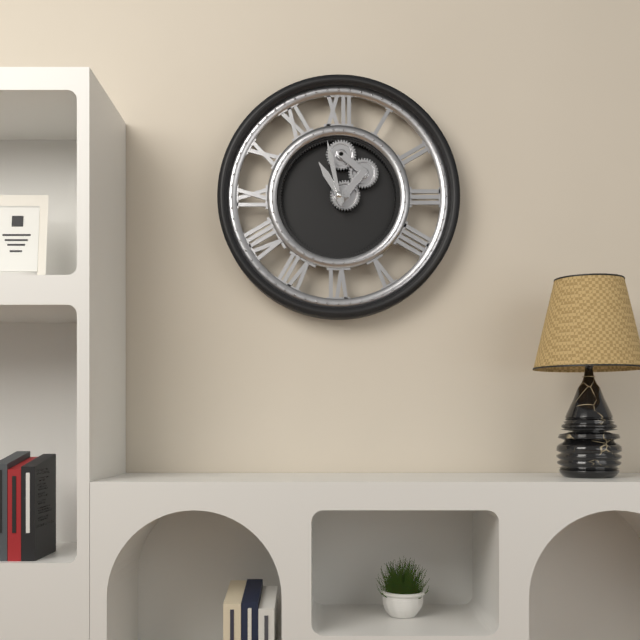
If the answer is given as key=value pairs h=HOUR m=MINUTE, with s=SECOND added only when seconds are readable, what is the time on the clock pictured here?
h=10 m=58
